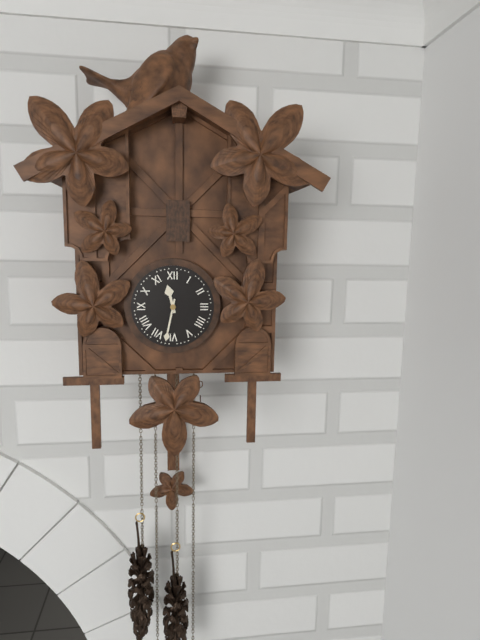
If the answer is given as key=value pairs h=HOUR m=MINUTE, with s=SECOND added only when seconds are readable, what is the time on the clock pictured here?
h=11 m=32
